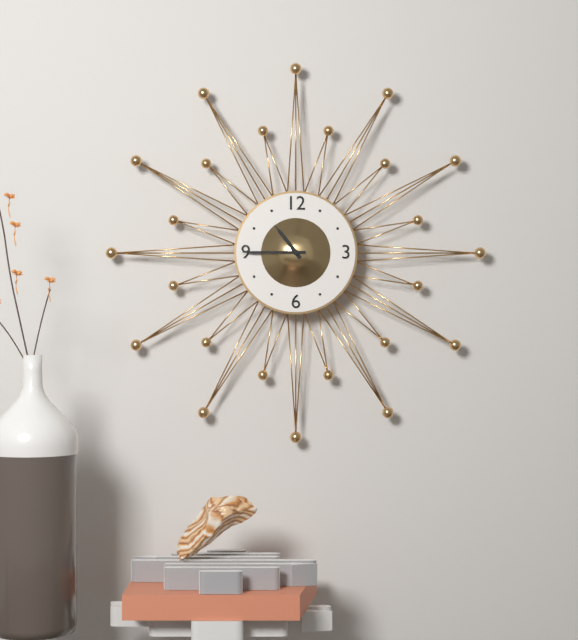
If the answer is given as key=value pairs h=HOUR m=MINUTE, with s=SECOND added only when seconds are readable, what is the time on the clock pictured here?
h=10 m=45
